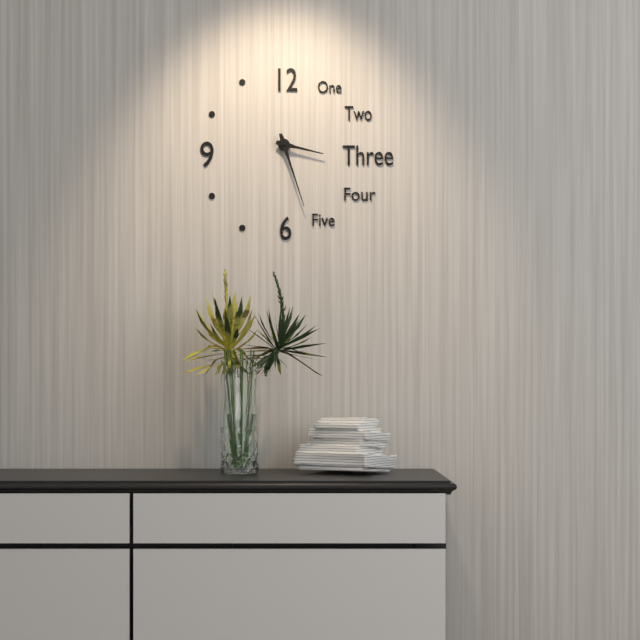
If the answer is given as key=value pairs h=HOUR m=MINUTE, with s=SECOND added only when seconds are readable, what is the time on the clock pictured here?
h=3 m=27
